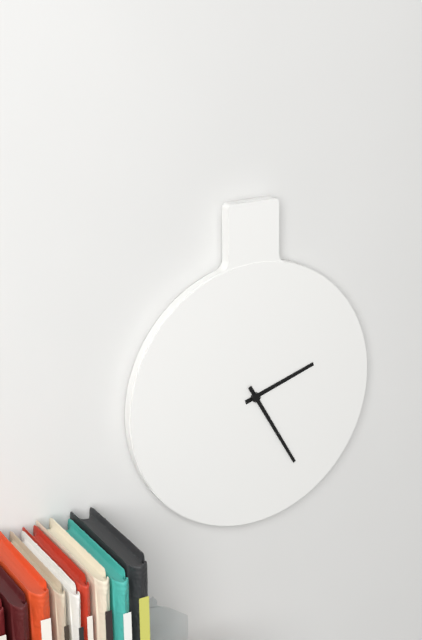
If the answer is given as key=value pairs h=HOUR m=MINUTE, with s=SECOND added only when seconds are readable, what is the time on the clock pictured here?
h=2 m=25
